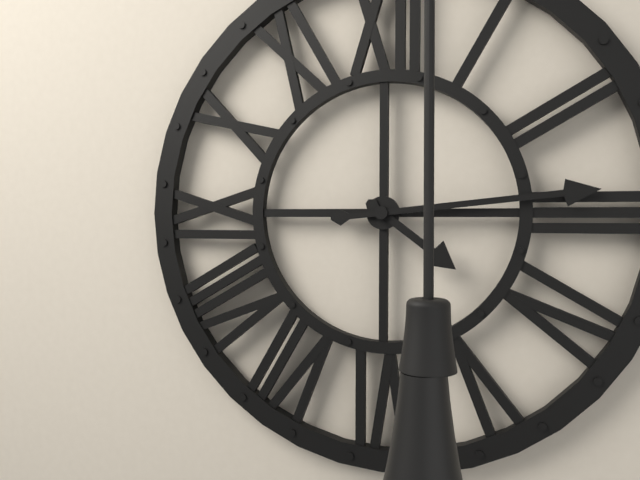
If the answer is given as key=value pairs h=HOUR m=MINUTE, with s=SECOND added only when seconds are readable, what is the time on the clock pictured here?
h=4 m=14
